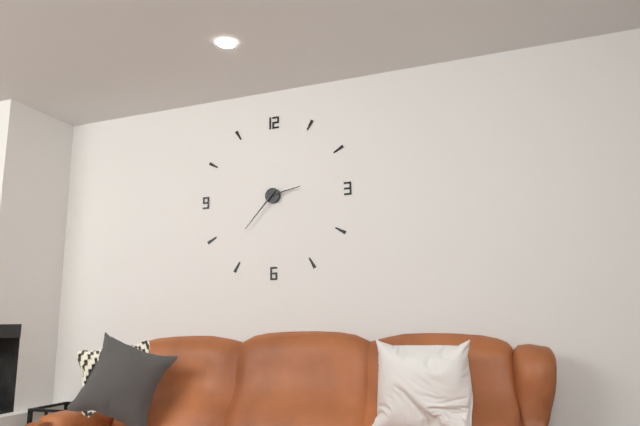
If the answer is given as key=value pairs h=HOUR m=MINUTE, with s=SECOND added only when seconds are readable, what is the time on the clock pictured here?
h=2 m=37
